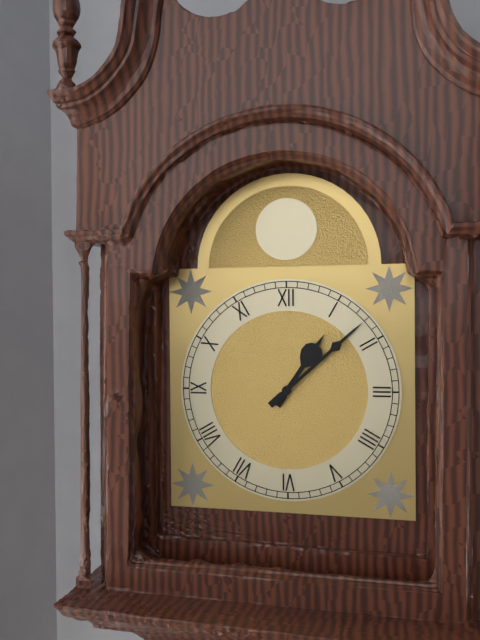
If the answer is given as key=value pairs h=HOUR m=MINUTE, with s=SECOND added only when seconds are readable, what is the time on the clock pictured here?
h=1 m=8
